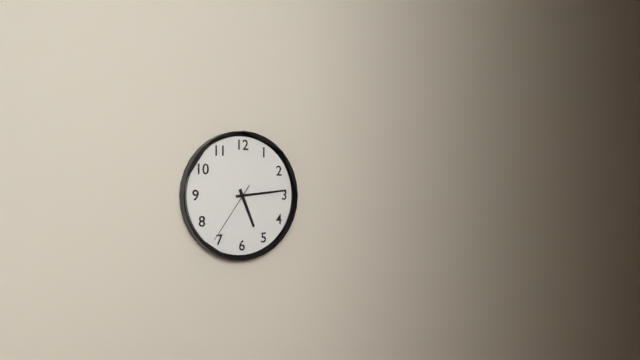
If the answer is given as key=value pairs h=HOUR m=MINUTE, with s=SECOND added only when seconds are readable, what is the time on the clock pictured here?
h=5 m=14 s=36
